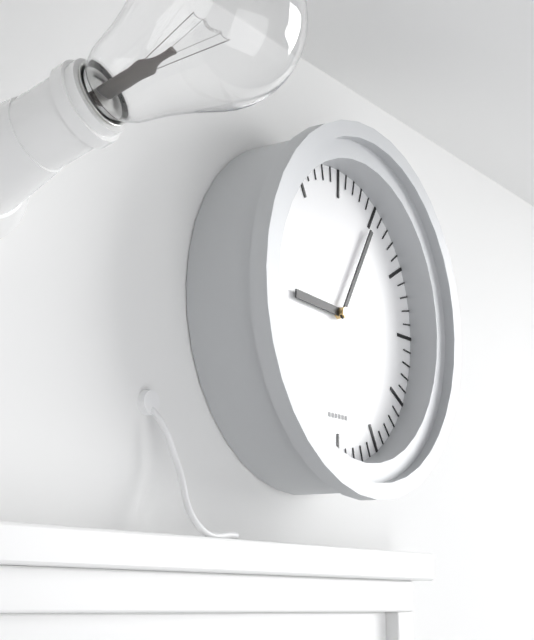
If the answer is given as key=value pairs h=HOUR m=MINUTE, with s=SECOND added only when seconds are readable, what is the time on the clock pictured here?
h=9 m=5
